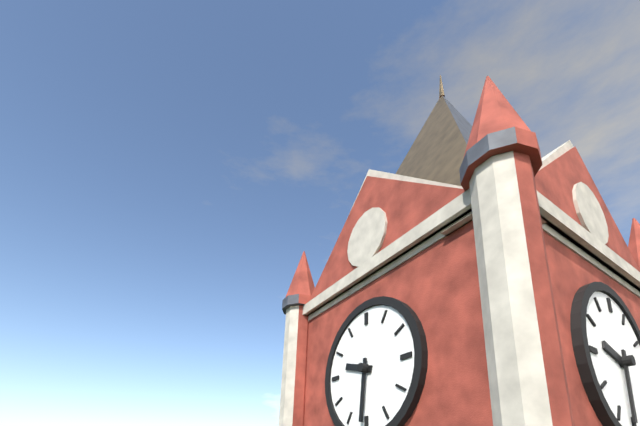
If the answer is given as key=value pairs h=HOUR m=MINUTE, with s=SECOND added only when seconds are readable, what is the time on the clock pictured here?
h=9 m=31
